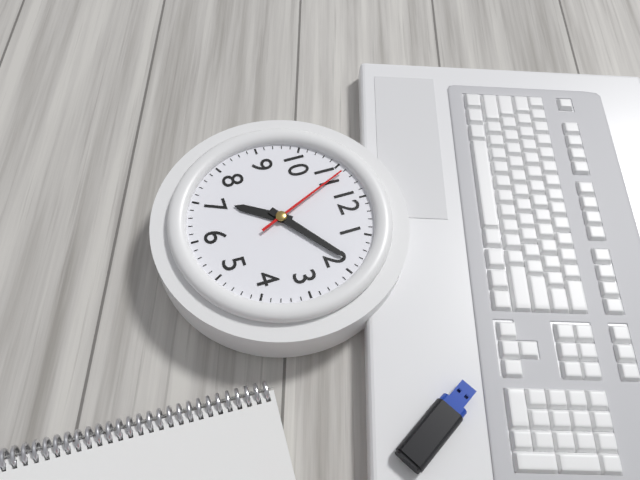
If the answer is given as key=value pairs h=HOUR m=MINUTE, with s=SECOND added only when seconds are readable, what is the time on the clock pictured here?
h=7 m=9 s=56
